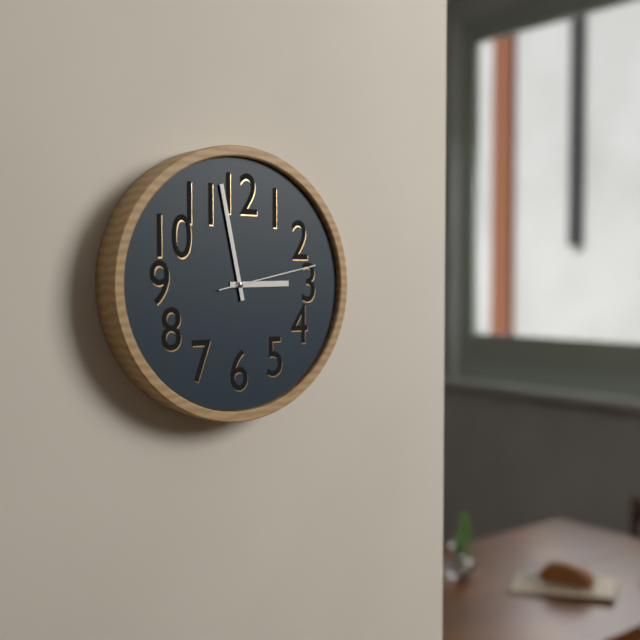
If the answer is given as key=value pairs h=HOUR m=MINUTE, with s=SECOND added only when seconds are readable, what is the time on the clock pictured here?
h=2 m=58 s=13
